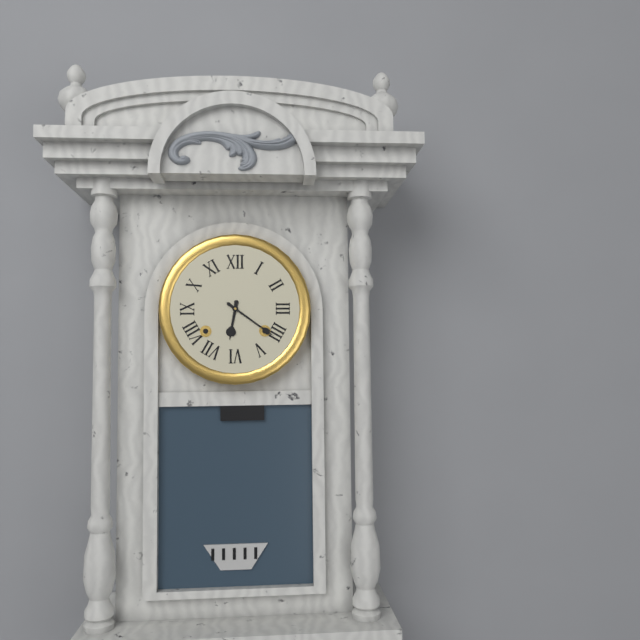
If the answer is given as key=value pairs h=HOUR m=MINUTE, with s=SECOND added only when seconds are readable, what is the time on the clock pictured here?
h=6 m=21
